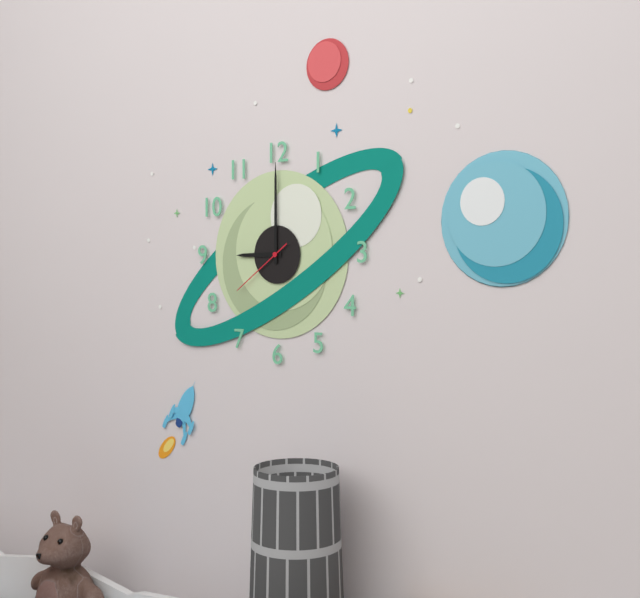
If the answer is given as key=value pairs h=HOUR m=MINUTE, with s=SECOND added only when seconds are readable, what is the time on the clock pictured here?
h=9 m=0 s=39
